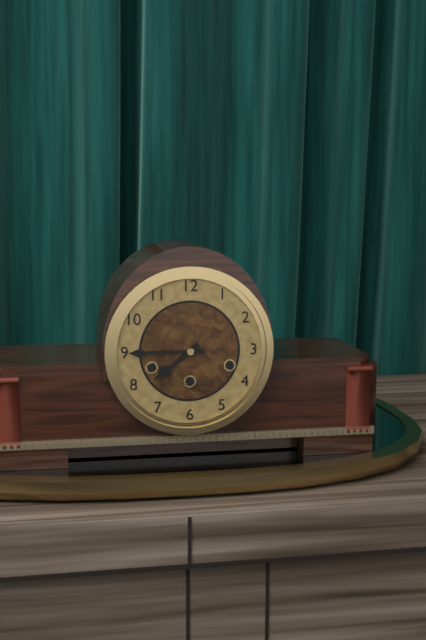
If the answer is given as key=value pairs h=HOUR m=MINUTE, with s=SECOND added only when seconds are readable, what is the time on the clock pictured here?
h=7 m=45
